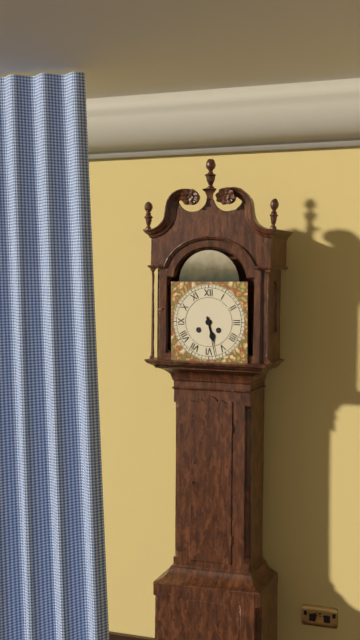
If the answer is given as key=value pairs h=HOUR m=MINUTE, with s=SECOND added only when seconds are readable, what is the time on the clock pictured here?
h=5 m=28
